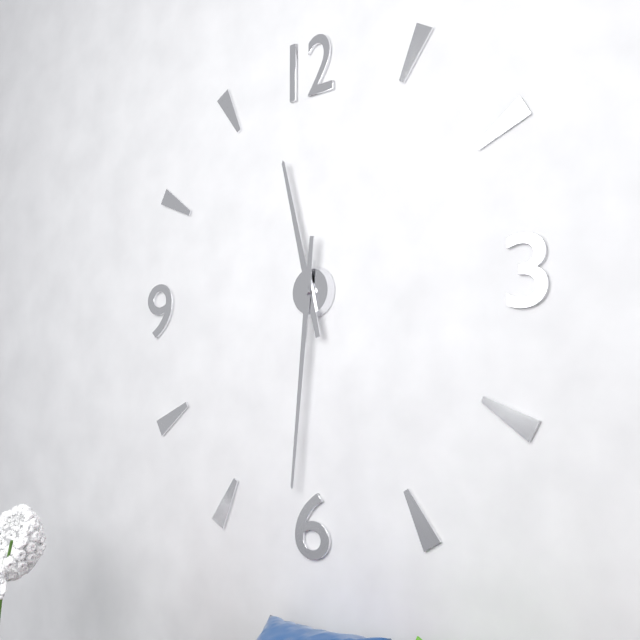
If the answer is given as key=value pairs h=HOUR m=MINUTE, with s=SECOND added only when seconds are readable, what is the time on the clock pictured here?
h=11 m=31
